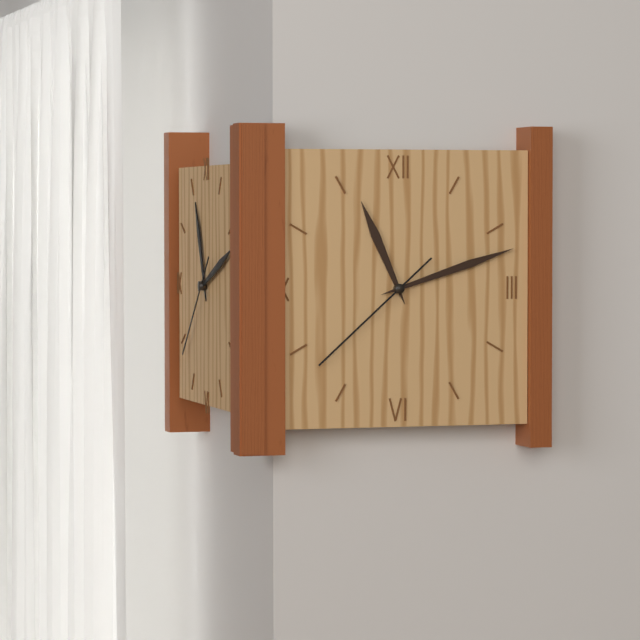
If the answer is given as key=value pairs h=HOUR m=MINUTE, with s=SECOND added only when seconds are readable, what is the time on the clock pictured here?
h=11 m=12 s=38
